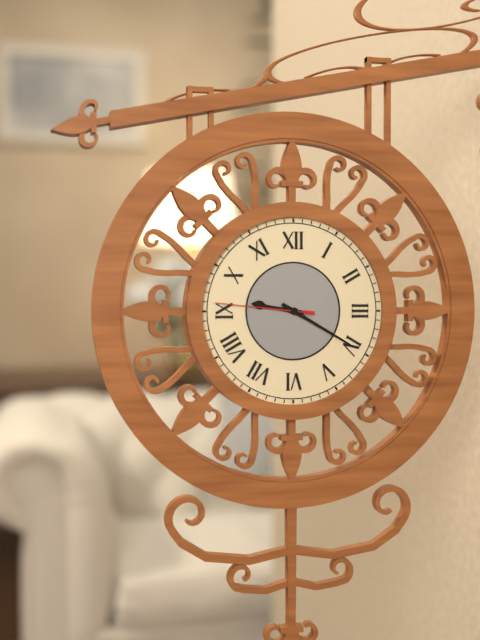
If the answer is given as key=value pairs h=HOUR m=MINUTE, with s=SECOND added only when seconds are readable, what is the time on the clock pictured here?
h=9 m=20 s=46
